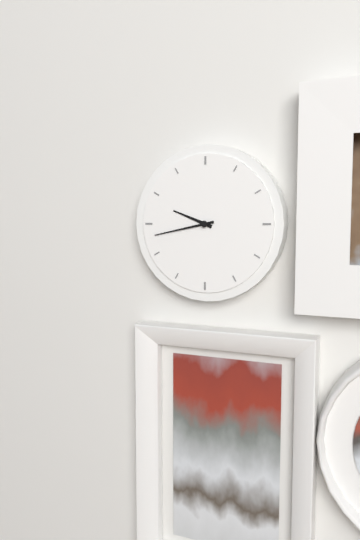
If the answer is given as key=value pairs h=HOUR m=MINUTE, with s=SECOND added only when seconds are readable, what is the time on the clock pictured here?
h=9 m=43
